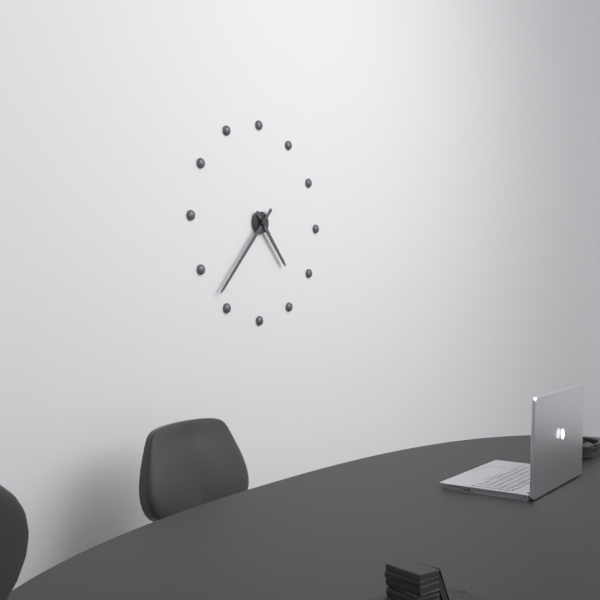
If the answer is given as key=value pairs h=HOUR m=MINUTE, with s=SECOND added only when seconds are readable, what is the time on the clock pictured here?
h=4 m=37
